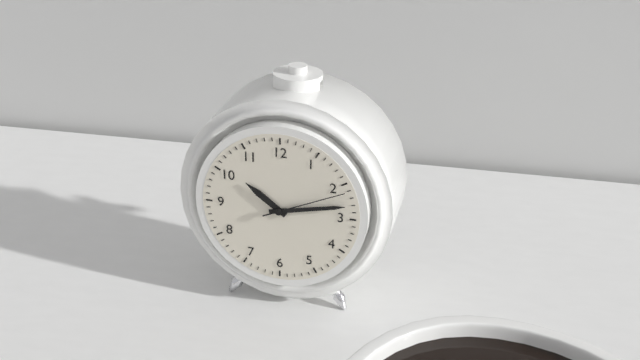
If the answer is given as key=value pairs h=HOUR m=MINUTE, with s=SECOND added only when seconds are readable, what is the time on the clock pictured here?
h=10 m=13 s=11
